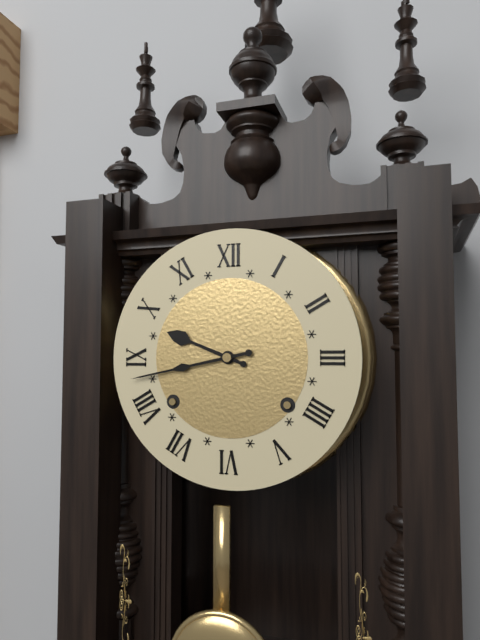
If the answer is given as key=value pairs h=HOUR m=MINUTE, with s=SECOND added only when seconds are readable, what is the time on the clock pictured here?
h=9 m=43
